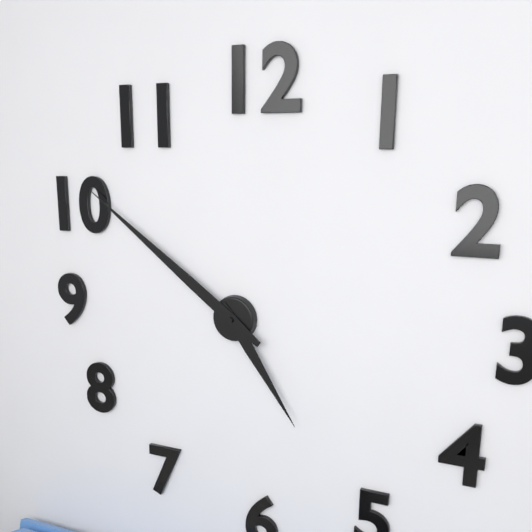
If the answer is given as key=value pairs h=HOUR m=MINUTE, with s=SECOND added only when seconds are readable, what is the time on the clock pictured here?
h=4 m=51
